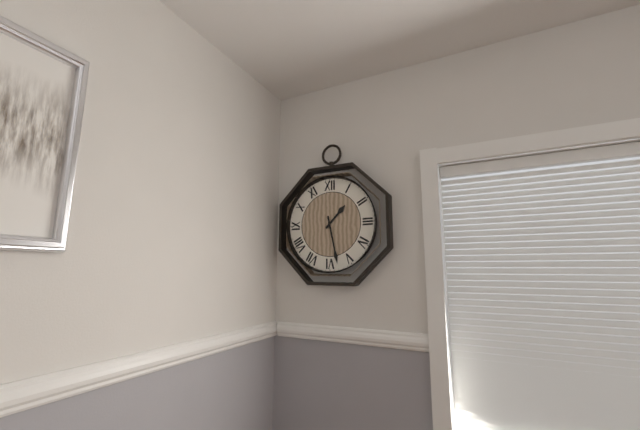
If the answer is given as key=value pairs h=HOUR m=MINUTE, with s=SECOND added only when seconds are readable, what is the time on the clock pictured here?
h=1 m=28
